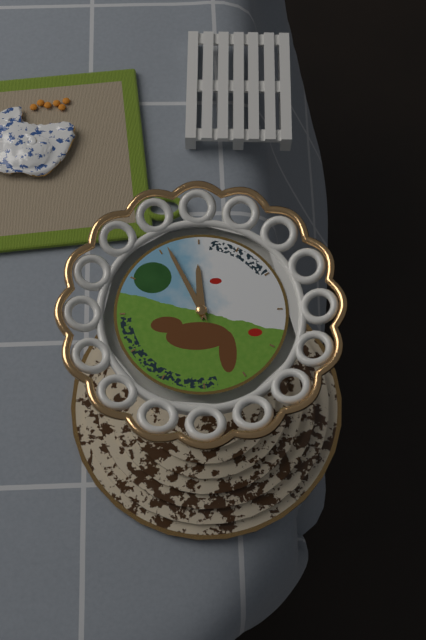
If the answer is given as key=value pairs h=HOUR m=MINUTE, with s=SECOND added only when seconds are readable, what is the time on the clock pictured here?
h=11 m=56
